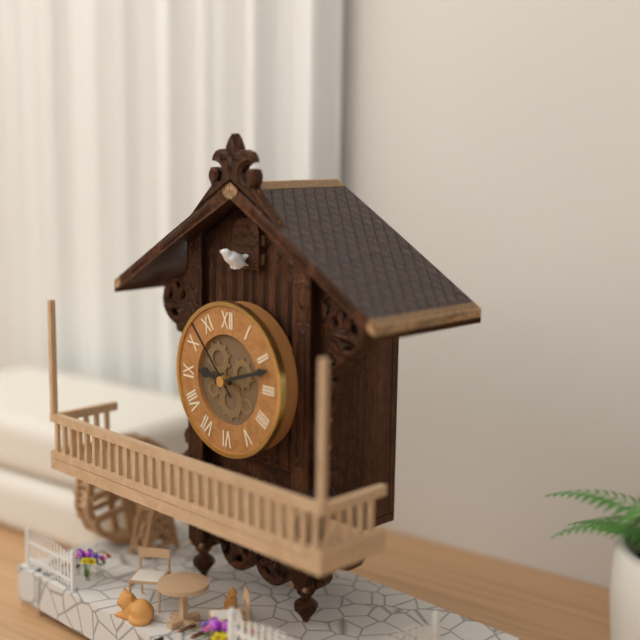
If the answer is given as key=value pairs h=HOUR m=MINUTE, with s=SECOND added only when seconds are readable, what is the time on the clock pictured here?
h=9 m=12 s=53
